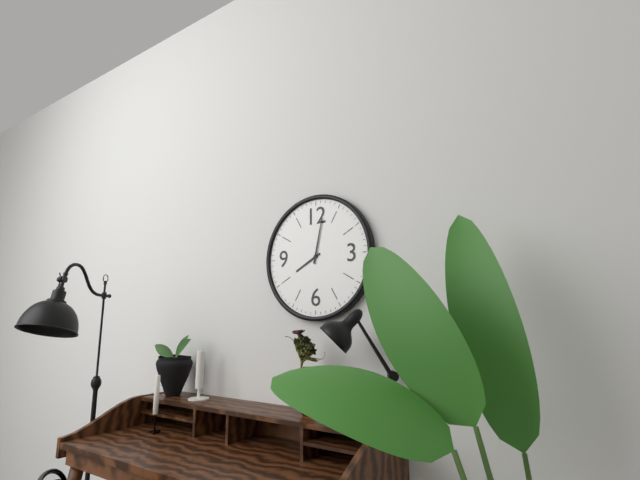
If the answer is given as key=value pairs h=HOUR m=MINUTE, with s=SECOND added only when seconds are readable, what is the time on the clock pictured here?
h=8 m=2
